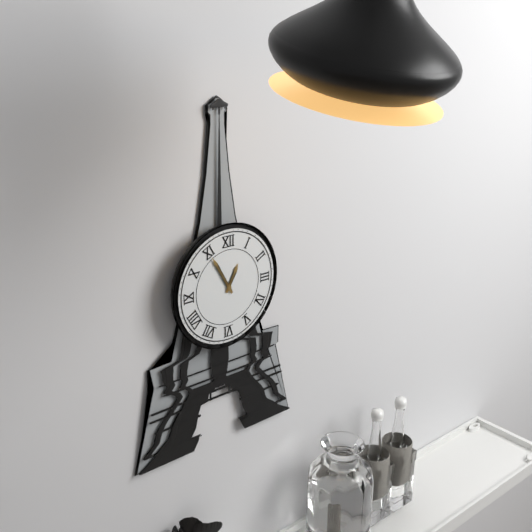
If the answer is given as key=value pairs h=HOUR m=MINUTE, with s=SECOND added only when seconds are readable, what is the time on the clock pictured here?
h=12 m=55
